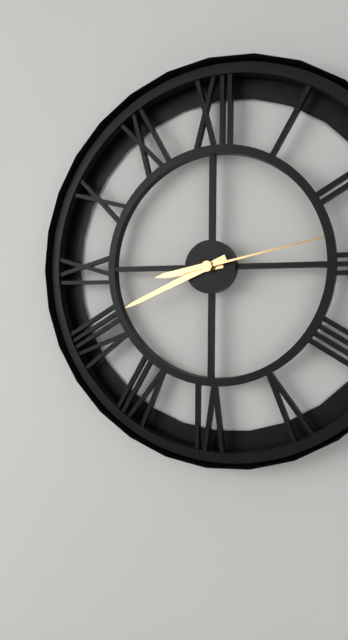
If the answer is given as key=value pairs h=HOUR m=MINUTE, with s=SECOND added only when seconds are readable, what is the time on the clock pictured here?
h=8 m=41 s=13
